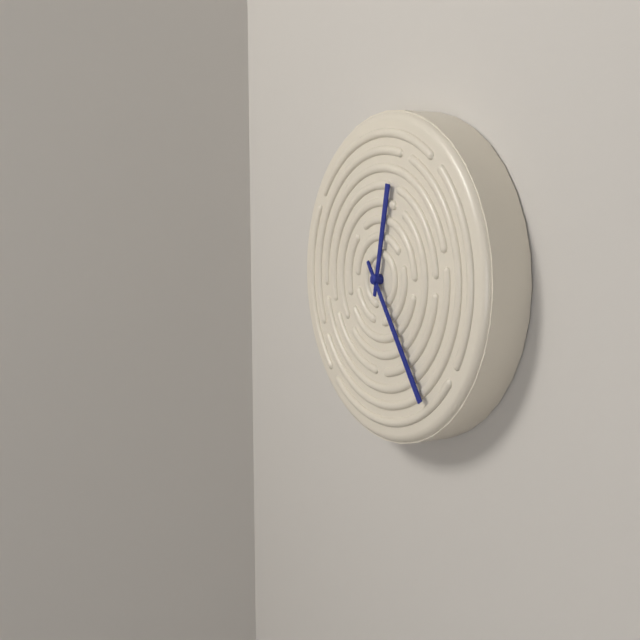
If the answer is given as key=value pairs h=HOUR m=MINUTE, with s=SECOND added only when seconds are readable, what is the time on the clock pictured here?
h=12 m=24
